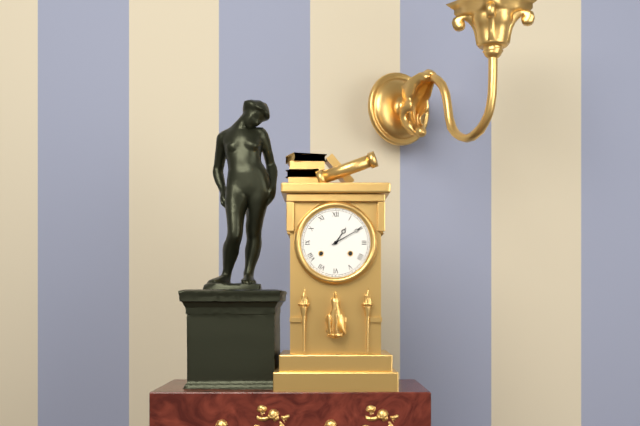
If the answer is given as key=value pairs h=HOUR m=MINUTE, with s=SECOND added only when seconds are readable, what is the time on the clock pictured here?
h=1 m=10
